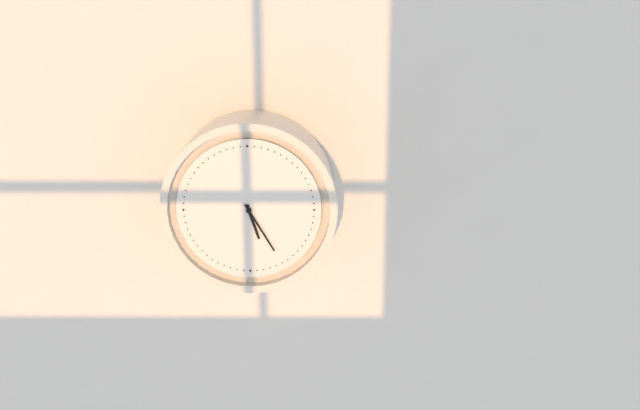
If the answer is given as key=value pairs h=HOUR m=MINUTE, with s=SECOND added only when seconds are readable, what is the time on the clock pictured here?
h=5 m=25
